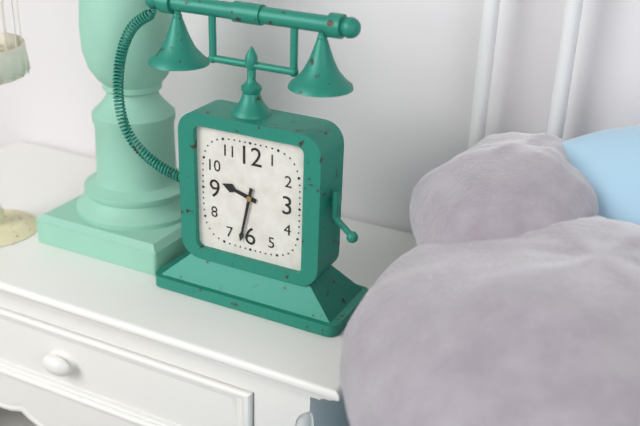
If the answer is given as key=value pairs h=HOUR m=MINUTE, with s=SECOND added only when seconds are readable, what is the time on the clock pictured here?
h=9 m=32
